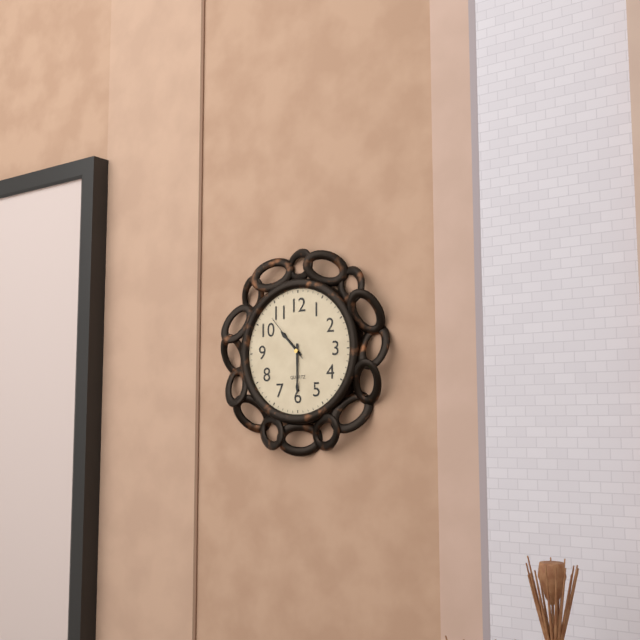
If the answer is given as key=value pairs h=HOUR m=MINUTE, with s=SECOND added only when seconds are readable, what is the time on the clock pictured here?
h=10 m=30 s=53
